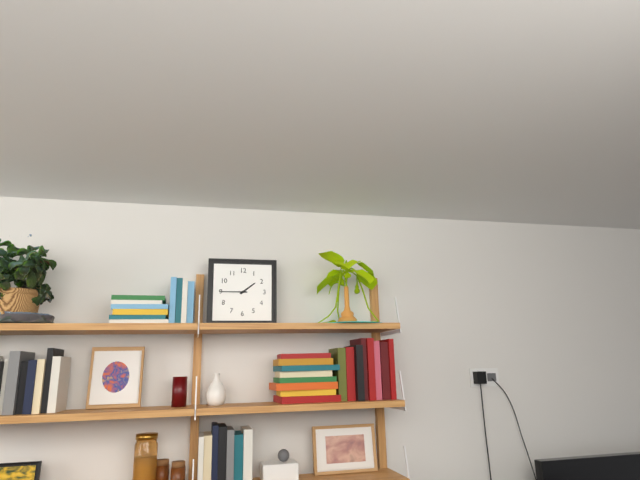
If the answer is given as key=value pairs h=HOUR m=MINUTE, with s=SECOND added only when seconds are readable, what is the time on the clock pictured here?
h=1 m=45
